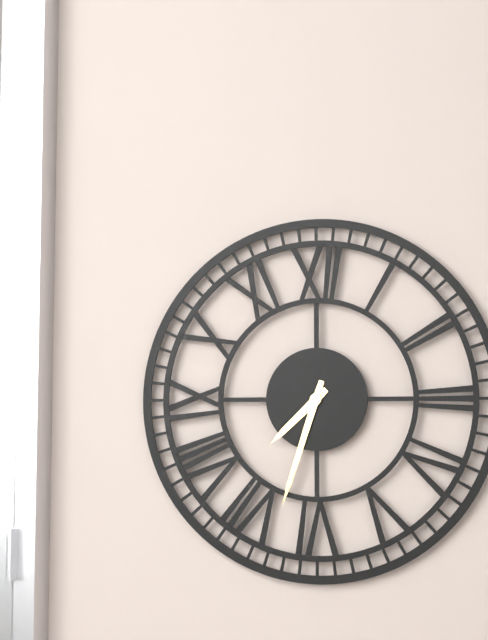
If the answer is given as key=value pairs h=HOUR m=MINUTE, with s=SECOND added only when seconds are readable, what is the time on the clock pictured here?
h=7 m=33
